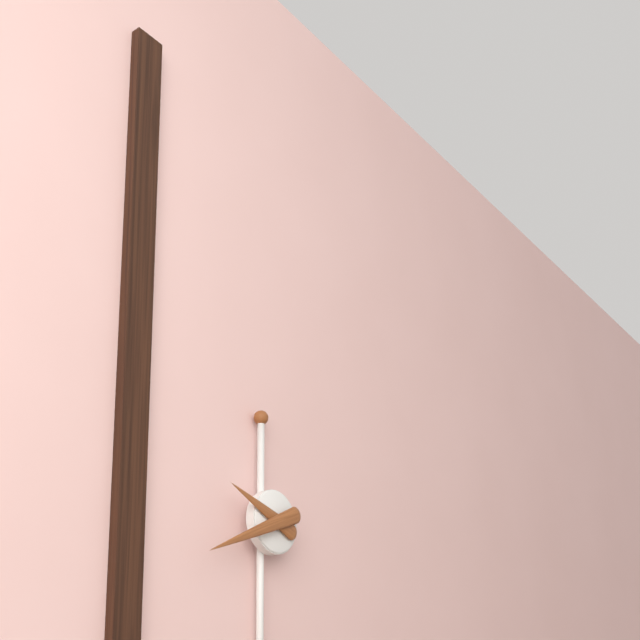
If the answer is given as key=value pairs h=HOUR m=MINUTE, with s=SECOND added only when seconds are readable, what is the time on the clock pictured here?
h=9 m=41
